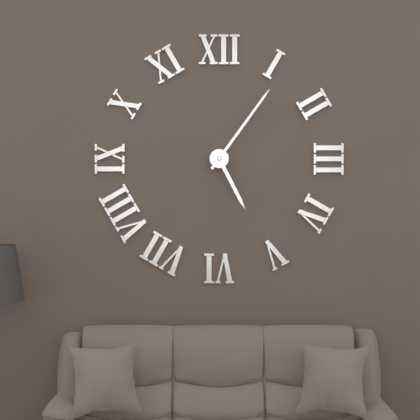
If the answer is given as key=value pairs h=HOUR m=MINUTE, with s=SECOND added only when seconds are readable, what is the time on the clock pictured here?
h=5 m=6
